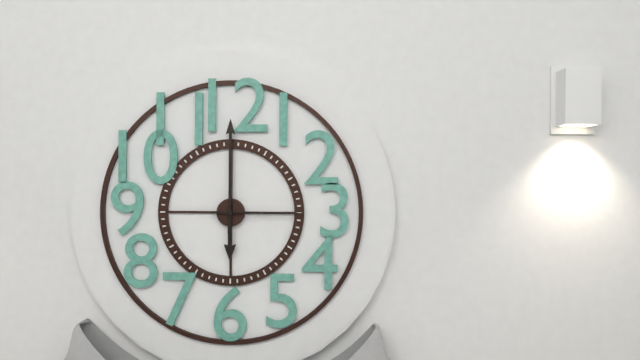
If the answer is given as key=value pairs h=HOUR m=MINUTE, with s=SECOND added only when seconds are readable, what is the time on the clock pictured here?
h=6 m=0 s=15
